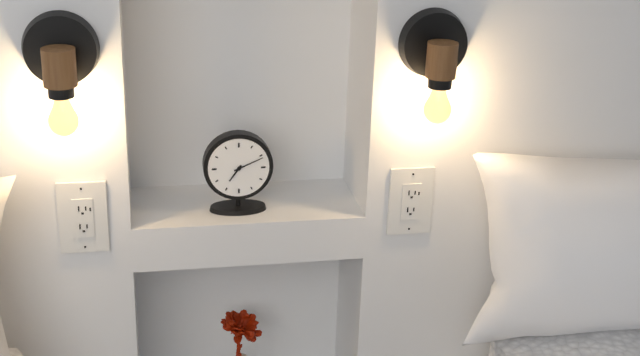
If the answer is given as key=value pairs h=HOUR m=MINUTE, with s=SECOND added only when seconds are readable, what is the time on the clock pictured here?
h=7 m=11
